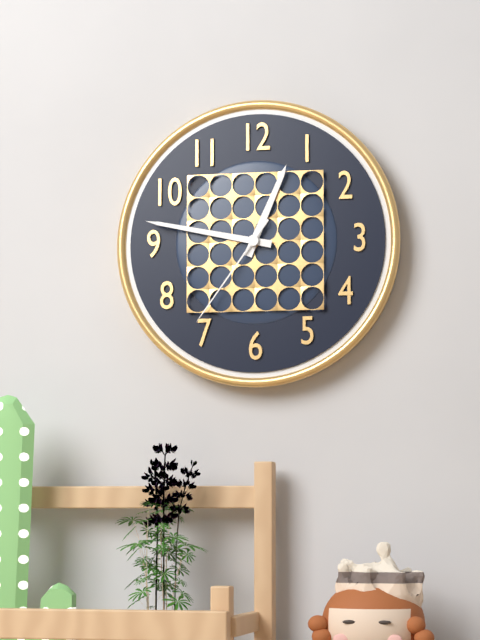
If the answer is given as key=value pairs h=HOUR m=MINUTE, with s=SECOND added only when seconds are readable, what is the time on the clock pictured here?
h=12 m=47 s=36
